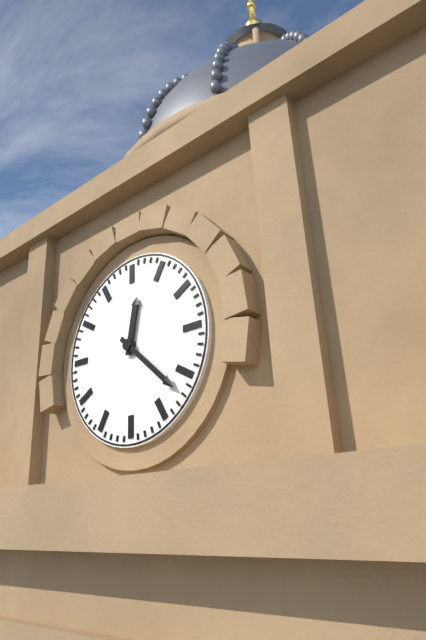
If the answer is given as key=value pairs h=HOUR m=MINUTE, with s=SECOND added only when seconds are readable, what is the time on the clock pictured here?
h=12 m=22
